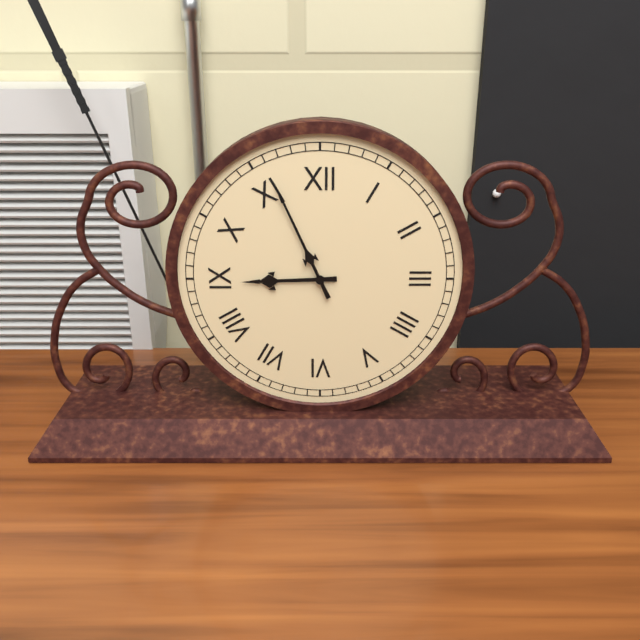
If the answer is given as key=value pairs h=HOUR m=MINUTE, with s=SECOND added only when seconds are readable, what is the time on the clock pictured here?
h=8 m=56
